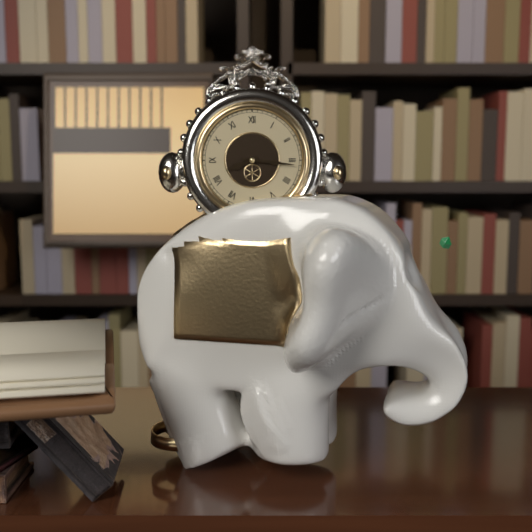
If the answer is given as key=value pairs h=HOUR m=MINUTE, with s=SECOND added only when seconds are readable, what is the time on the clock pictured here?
h=8 m=16
